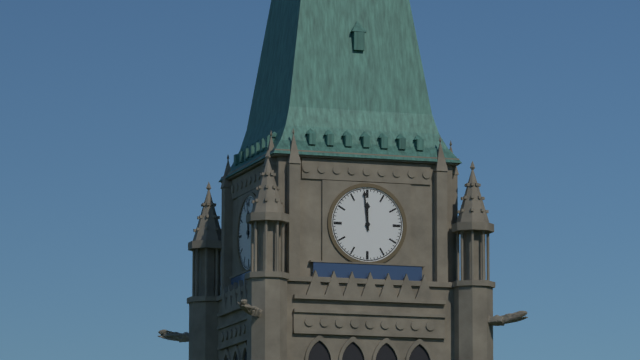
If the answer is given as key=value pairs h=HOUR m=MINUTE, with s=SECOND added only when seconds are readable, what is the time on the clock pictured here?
h=11 m=59
